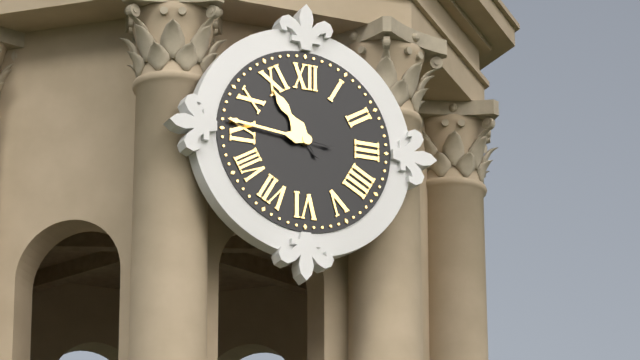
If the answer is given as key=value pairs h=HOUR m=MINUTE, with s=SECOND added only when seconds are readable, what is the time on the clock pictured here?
h=10 m=46
